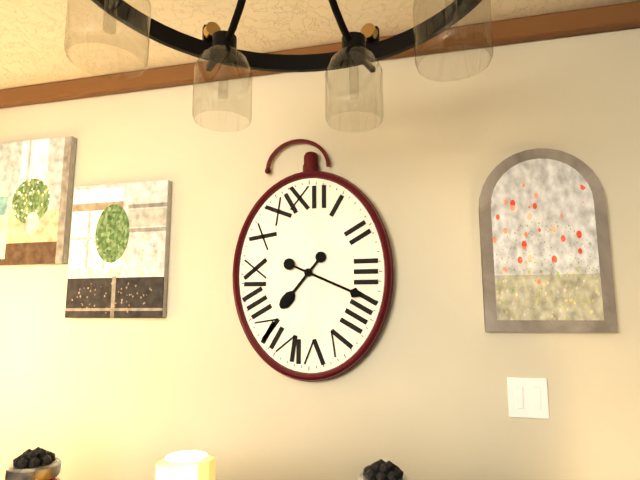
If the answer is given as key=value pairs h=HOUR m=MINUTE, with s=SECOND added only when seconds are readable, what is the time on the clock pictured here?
h=7 m=19
